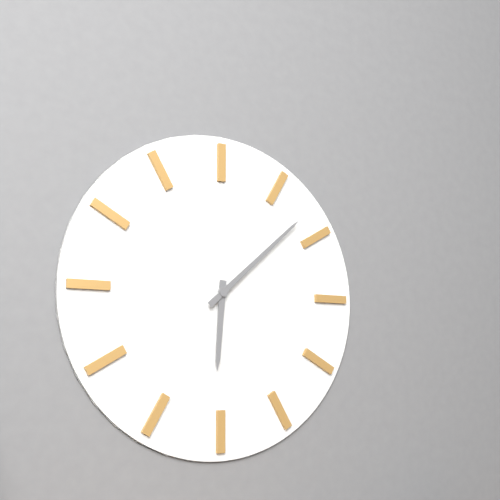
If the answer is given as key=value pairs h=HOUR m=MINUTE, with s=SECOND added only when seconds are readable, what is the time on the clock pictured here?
h=6 m=8
